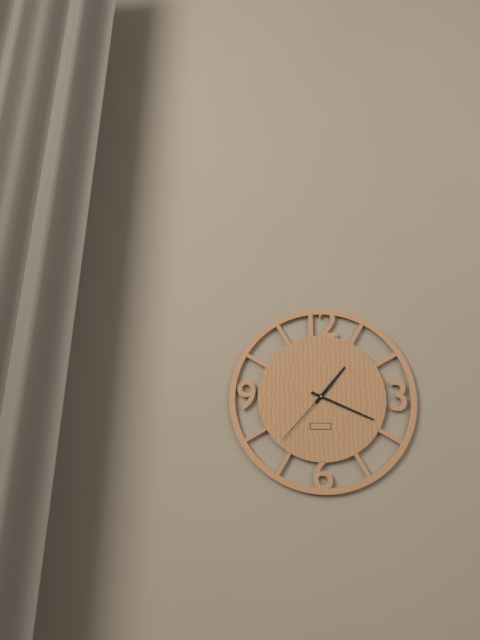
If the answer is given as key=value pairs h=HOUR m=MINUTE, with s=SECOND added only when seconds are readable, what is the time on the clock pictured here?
h=1 m=19 s=37
